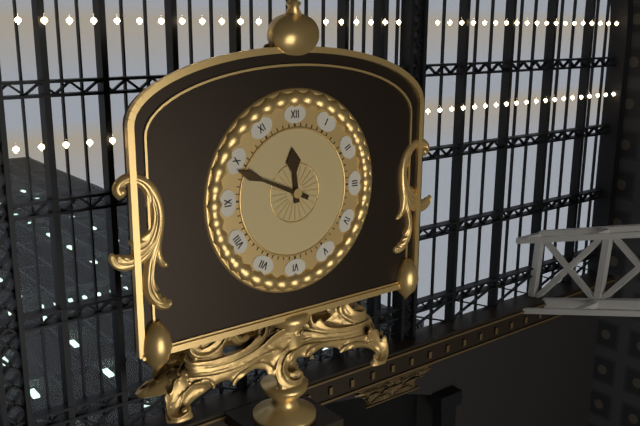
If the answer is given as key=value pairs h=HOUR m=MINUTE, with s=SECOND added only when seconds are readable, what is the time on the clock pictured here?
h=11 m=49
